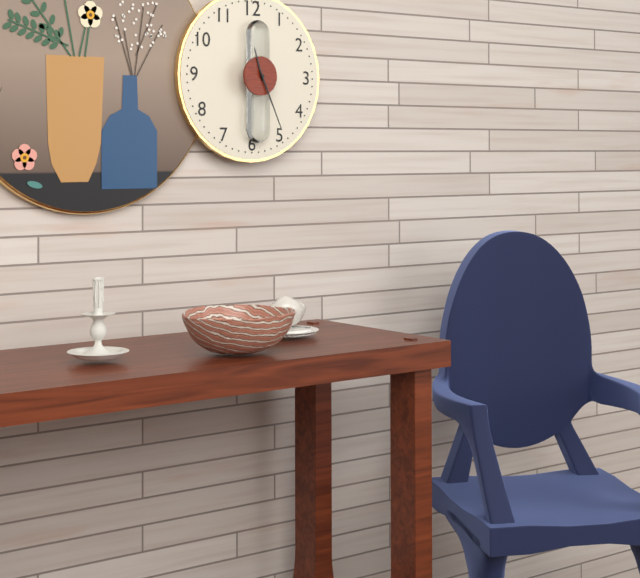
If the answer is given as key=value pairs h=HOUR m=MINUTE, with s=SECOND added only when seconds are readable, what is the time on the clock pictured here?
h=11 m=26
